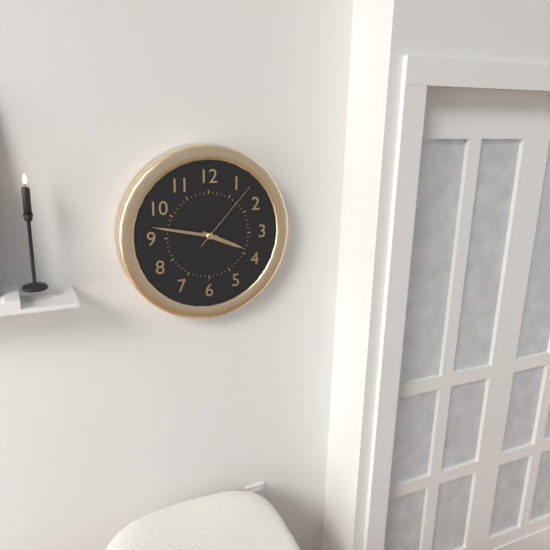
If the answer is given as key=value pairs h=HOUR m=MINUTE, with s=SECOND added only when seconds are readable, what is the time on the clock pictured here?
h=3 m=47 s=7
